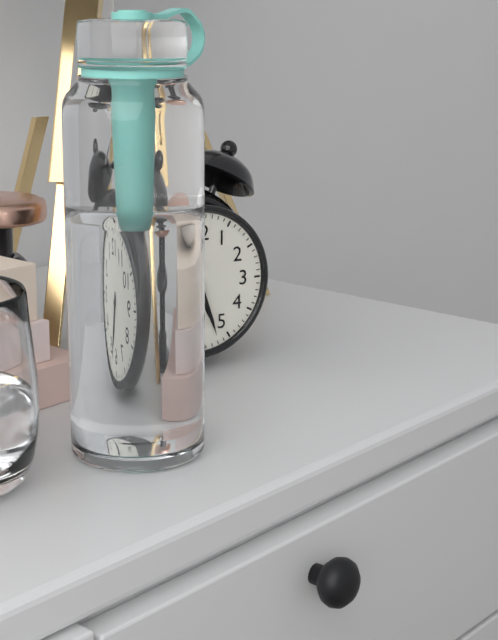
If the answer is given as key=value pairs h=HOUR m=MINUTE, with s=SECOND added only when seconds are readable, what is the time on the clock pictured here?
h=5 m=27
